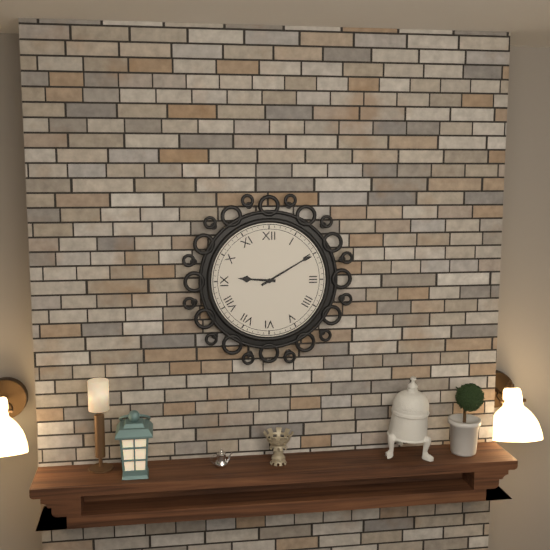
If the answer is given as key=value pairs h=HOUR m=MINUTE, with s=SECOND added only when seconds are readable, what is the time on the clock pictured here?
h=9 m=10
